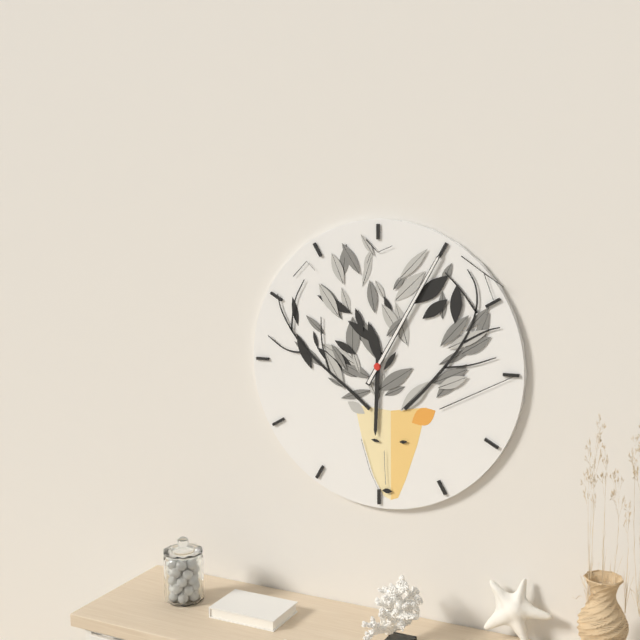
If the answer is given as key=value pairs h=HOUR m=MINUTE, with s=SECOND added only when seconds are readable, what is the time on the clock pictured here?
h=6 m=5
